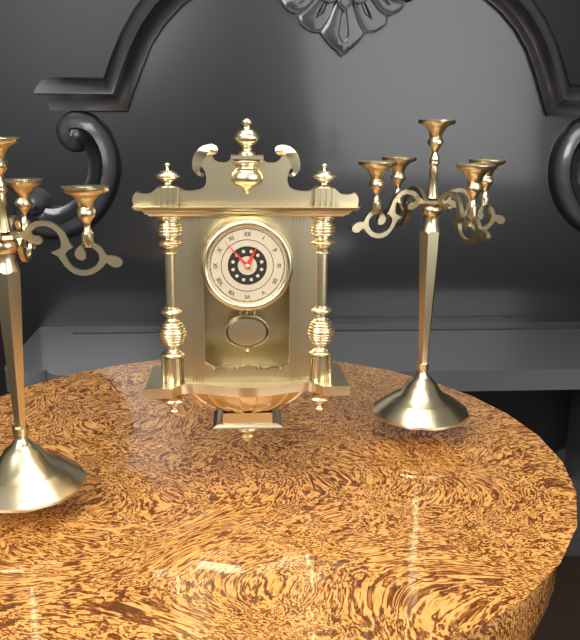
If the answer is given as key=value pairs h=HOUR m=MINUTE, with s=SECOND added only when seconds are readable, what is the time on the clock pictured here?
h=12 m=53
